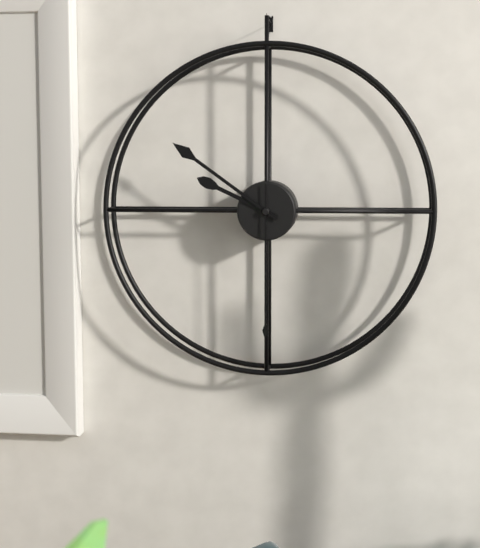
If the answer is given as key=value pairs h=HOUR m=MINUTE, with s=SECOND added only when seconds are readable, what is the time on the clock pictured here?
h=9 m=51 s=30
